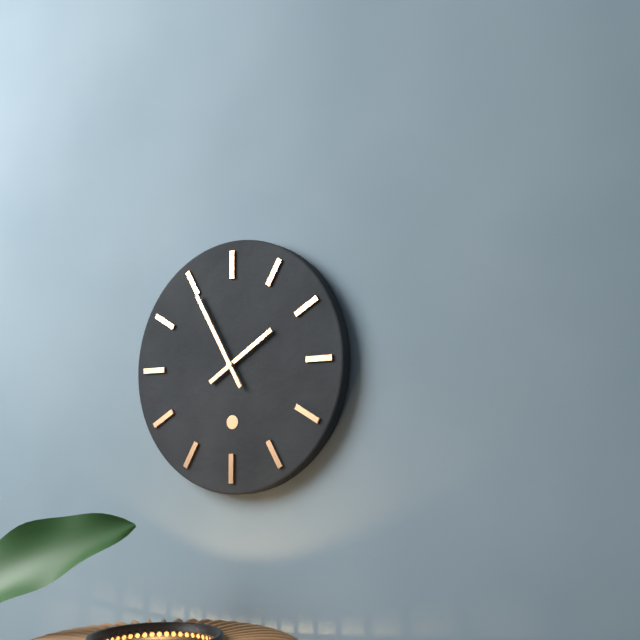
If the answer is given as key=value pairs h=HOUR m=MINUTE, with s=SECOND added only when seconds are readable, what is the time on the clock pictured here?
h=1 m=55
